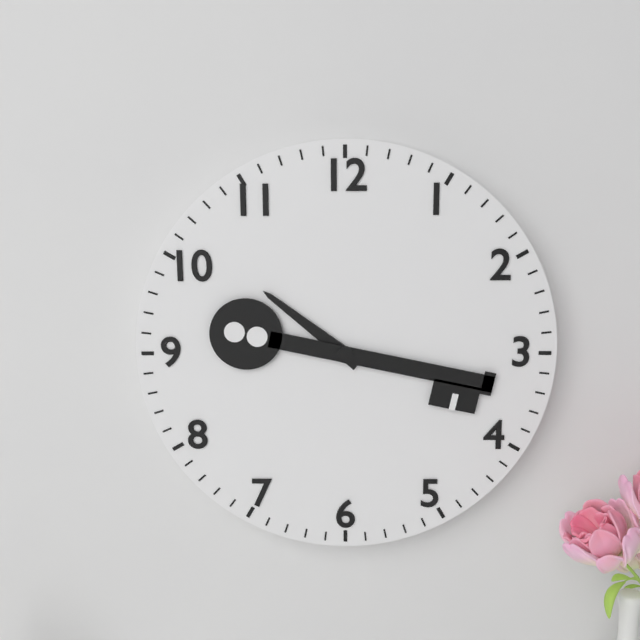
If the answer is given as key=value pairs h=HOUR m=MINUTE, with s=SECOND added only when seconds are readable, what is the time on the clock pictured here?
h=10 m=17
